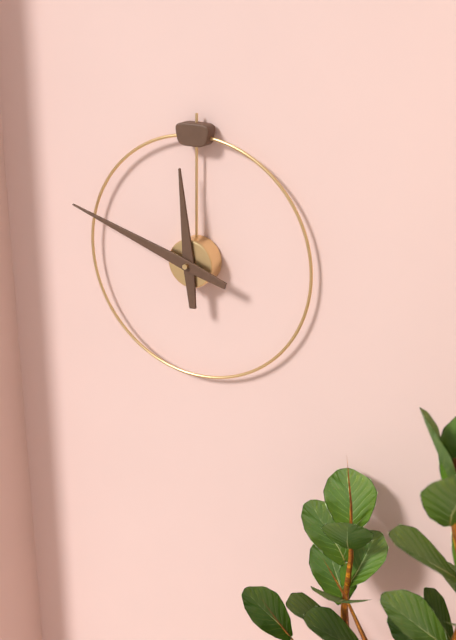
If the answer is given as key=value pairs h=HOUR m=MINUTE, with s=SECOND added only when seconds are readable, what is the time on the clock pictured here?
h=11 m=48
